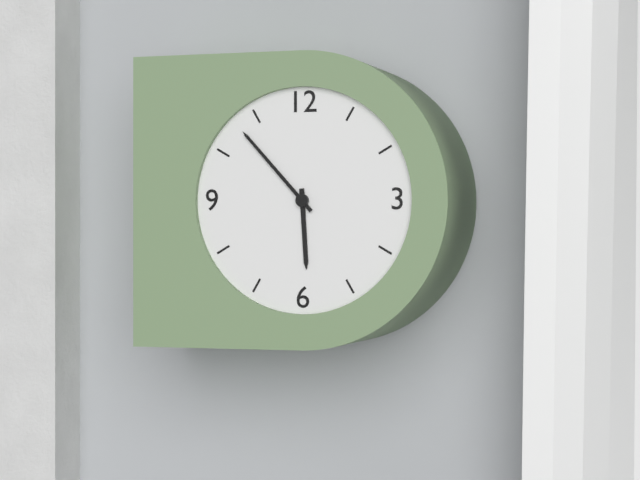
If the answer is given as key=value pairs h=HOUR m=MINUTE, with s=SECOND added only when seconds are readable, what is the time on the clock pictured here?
h=5 m=53
